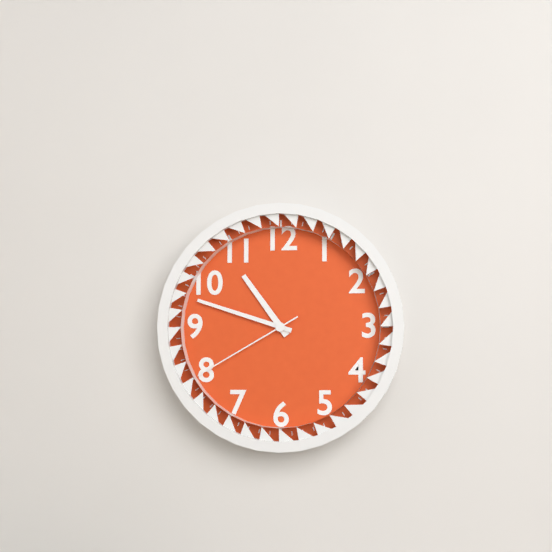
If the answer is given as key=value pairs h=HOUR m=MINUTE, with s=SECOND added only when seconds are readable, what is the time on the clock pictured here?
h=10 m=48 s=40
